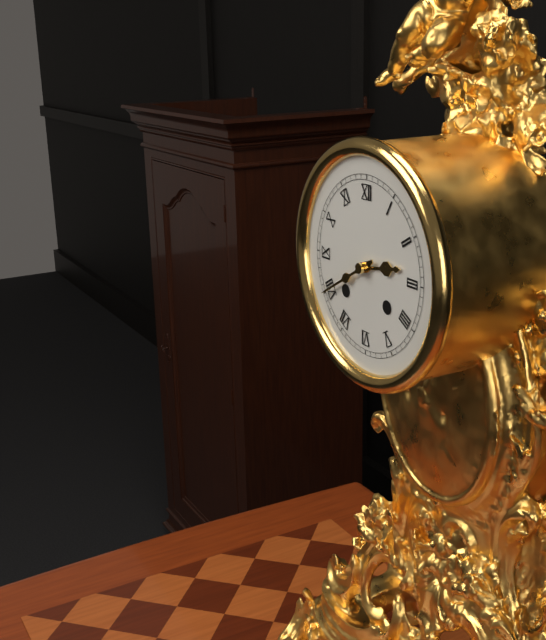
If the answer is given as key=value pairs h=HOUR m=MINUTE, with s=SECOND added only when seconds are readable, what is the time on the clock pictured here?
h=2 m=40
